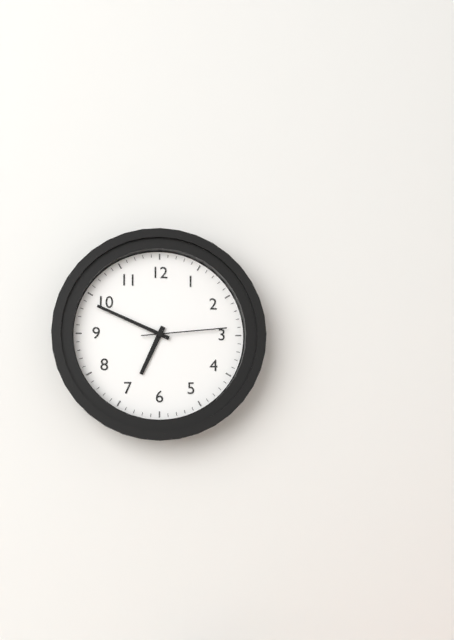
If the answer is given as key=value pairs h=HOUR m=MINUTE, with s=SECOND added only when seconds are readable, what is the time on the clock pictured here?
h=6 m=49 s=14
